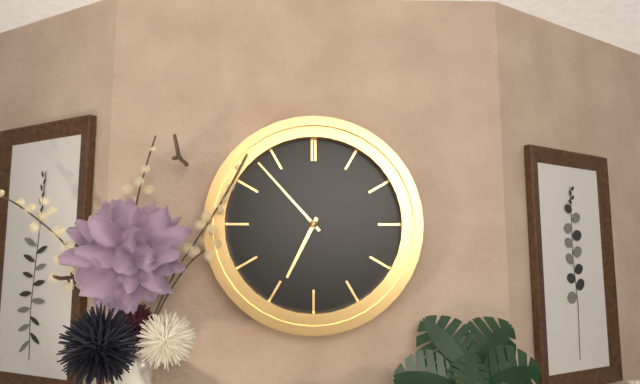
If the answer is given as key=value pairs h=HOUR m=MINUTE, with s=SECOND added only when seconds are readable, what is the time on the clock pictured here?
h=6 m=53
